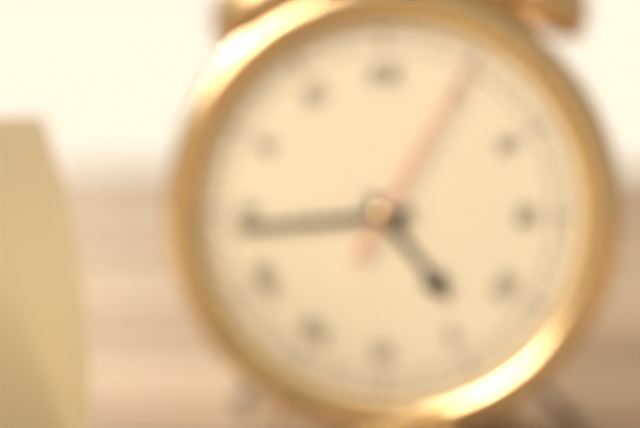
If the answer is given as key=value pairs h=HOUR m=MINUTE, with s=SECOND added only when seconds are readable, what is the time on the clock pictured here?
h=4 m=44 s=5
